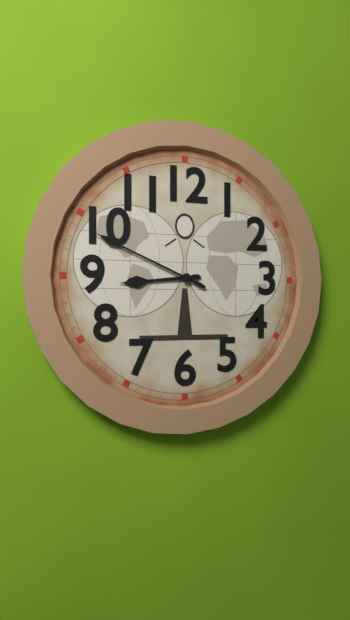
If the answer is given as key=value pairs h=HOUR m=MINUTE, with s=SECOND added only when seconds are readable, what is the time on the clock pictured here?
h=8 m=49
